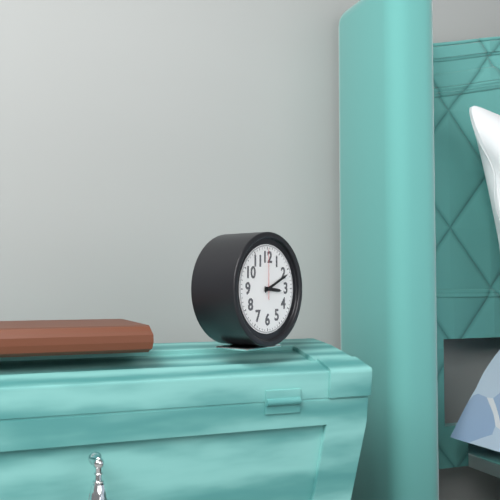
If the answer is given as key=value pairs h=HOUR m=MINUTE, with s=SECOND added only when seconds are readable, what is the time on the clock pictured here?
h=3 m=11 s=0
